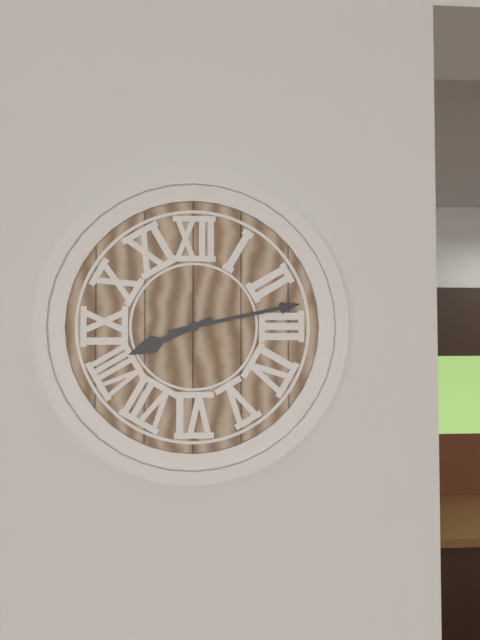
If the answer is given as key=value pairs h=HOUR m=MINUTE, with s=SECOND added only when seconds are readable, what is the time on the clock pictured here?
h=8 m=13
